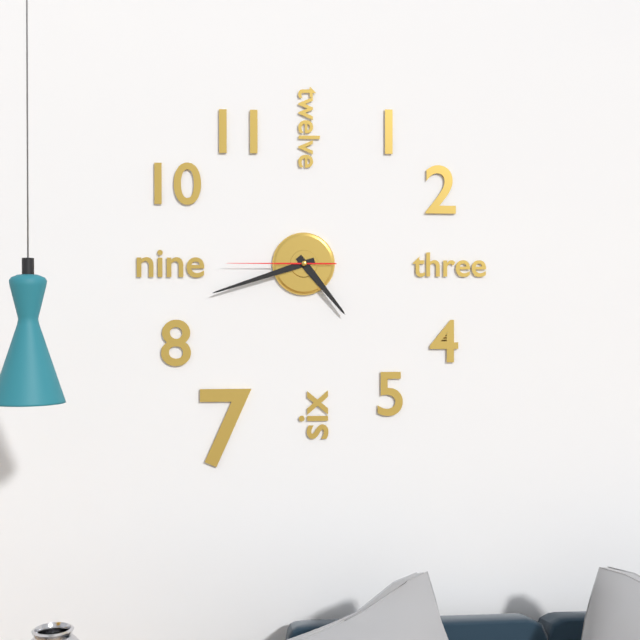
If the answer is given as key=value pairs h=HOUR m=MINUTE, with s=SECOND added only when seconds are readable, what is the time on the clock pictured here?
h=4 m=42 s=45
